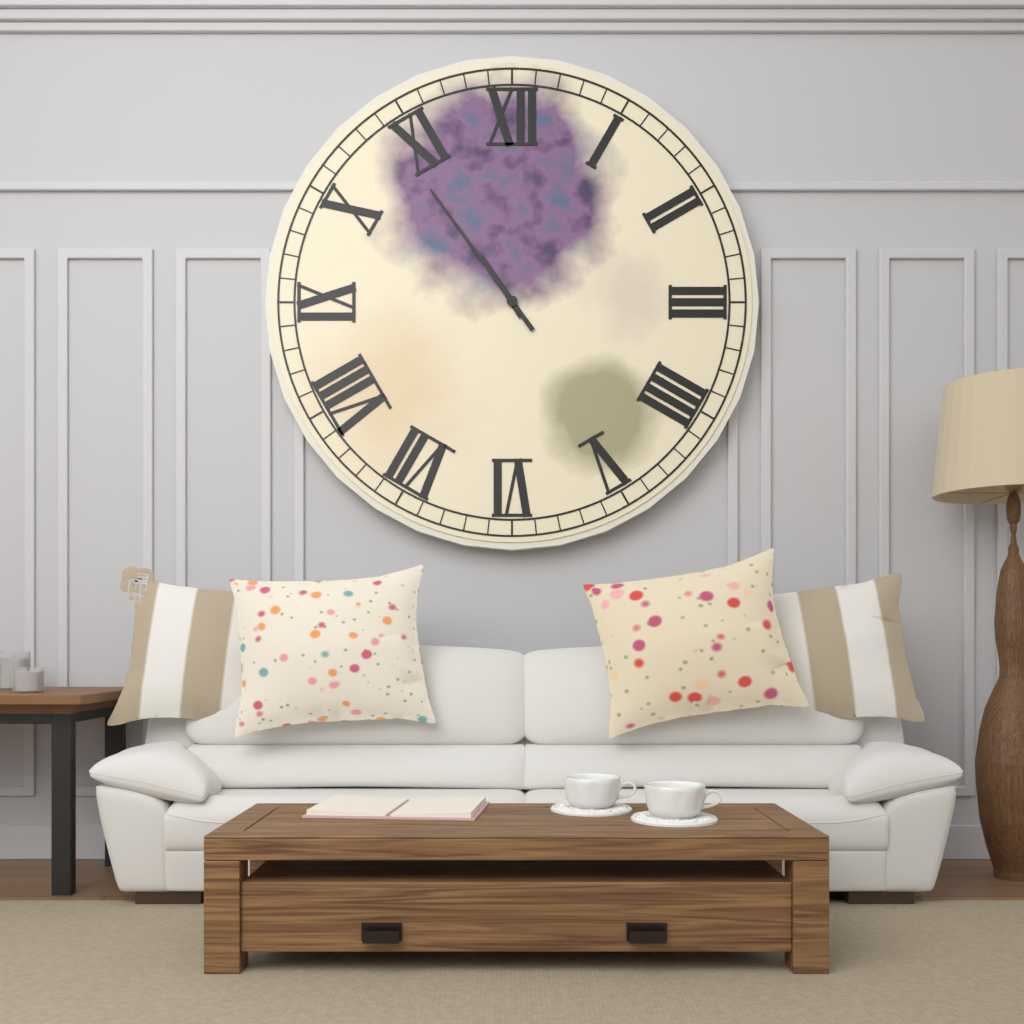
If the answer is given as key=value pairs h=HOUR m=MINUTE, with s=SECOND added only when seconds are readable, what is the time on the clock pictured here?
h=10 m=54
